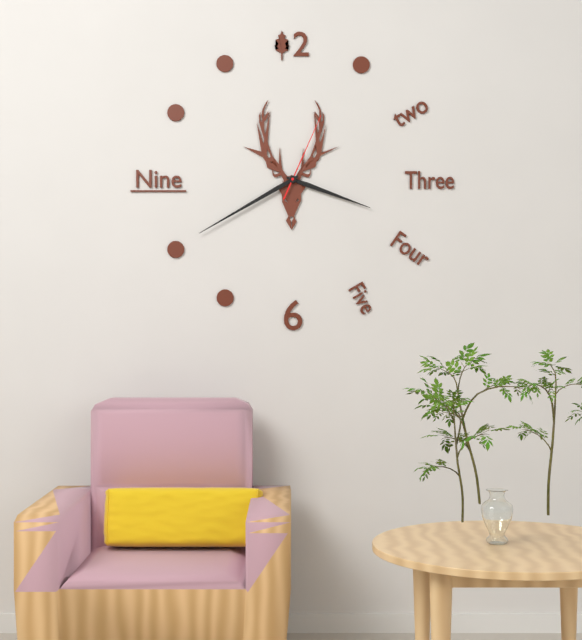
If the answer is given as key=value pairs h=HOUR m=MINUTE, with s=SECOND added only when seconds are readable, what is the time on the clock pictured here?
h=3 m=40 s=4
